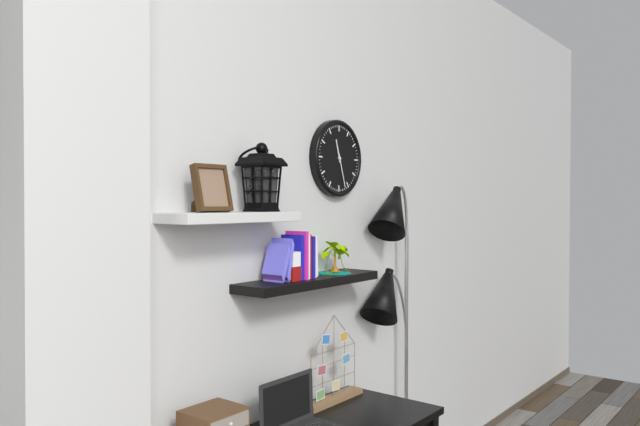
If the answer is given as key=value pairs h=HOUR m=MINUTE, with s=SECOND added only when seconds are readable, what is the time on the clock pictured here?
h=11 m=27
